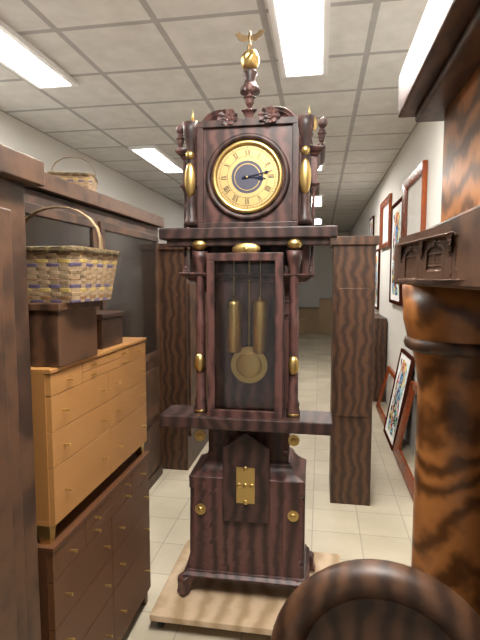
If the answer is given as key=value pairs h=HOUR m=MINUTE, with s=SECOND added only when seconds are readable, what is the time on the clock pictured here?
h=3 m=13
